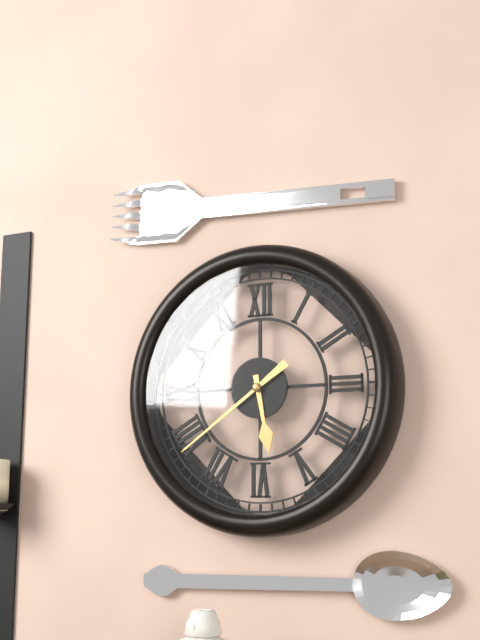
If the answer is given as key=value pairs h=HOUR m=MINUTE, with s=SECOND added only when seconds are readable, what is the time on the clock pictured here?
h=5 m=39
